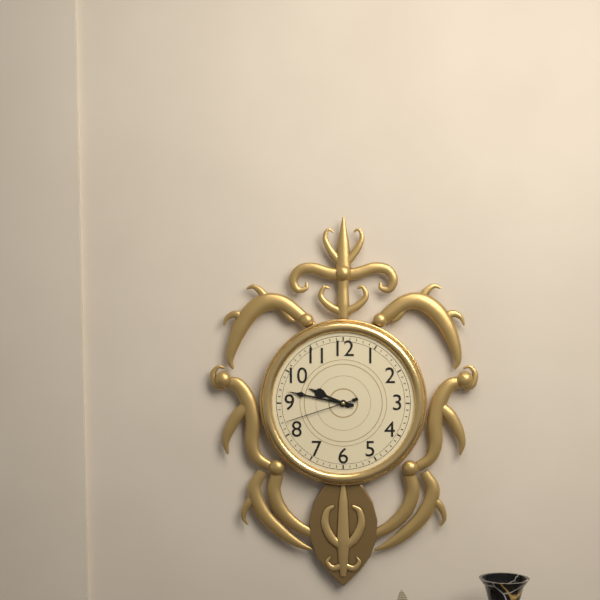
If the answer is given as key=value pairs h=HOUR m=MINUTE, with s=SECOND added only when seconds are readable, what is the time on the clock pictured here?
h=9 m=47 s=42
